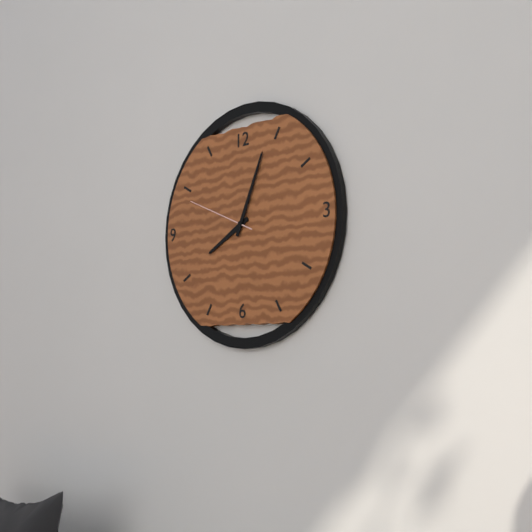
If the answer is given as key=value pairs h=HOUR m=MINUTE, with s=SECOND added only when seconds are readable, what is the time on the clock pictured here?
h=8 m=4 s=49
